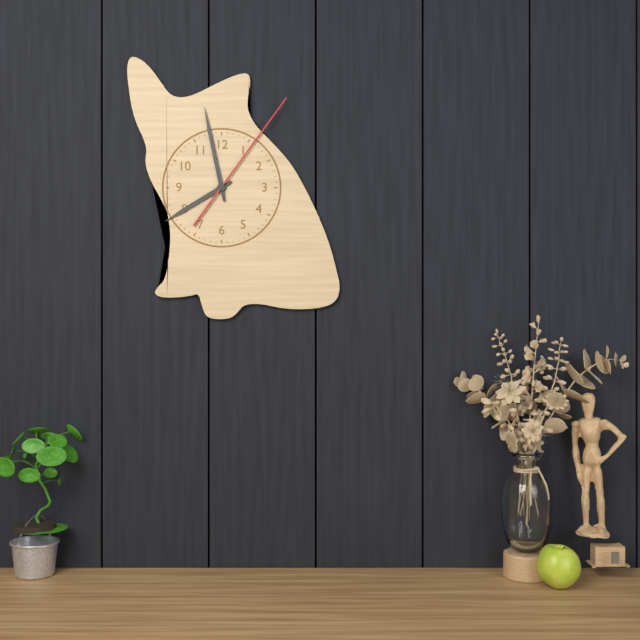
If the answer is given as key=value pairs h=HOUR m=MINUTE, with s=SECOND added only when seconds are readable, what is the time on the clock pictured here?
h=7 m=58 s=6
